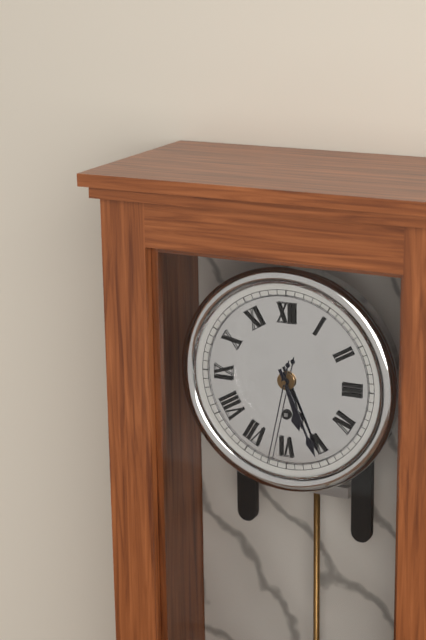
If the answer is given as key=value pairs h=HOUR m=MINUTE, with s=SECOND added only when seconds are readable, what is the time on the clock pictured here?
h=5 m=26 s=32
